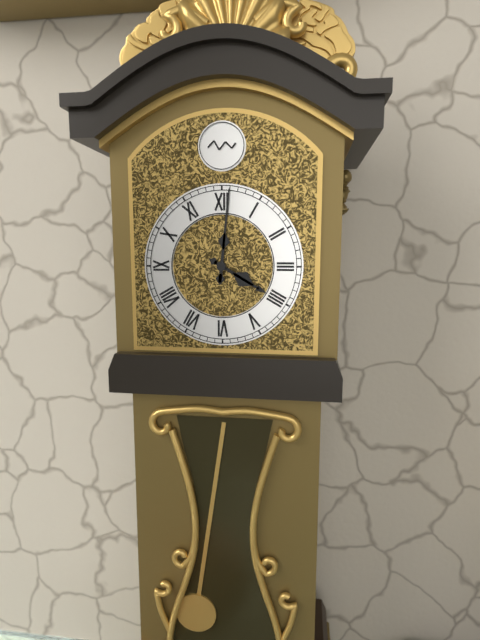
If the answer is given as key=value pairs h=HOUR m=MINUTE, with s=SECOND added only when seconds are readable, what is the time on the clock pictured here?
h=4 m=1
